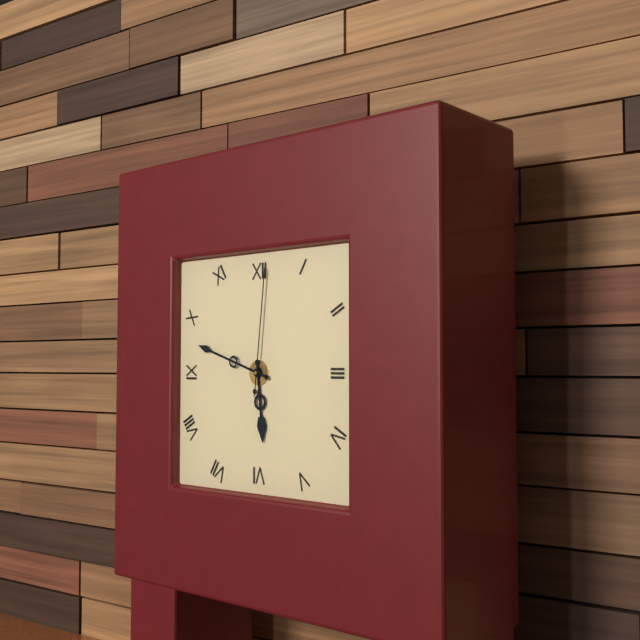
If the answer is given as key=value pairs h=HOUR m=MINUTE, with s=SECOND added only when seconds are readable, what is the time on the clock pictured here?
h=5 m=48 s=1
